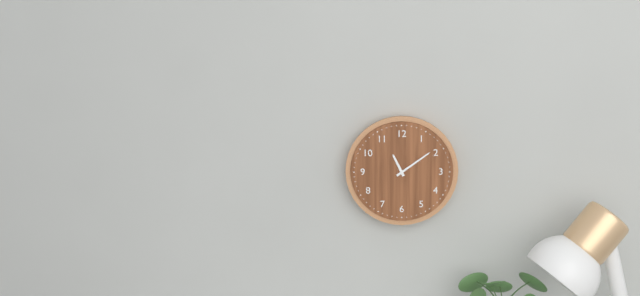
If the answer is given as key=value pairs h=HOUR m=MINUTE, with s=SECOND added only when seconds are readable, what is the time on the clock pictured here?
h=11 m=9
